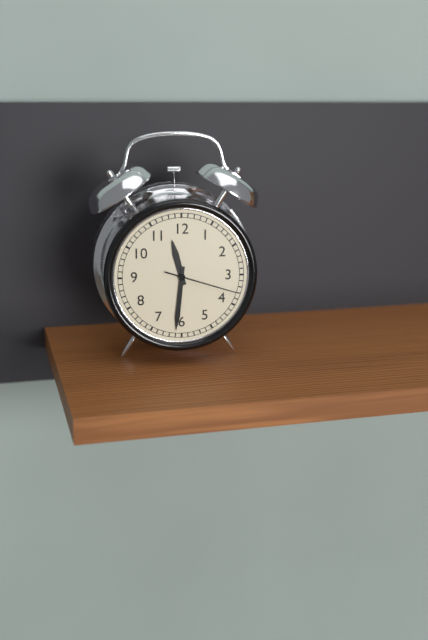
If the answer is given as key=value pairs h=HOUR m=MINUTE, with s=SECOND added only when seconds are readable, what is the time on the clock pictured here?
h=11 m=31 s=18
